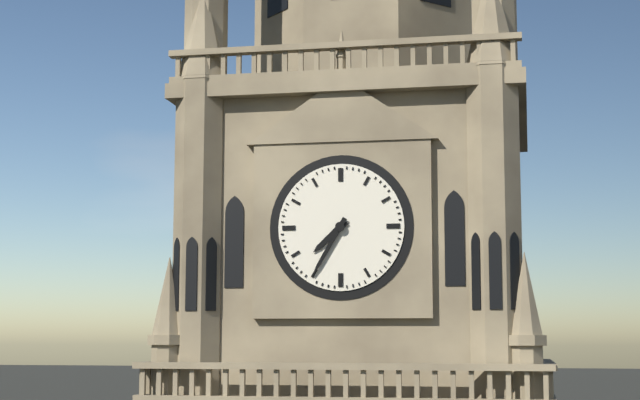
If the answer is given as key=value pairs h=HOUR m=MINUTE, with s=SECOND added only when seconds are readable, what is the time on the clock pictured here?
h=7 m=35
